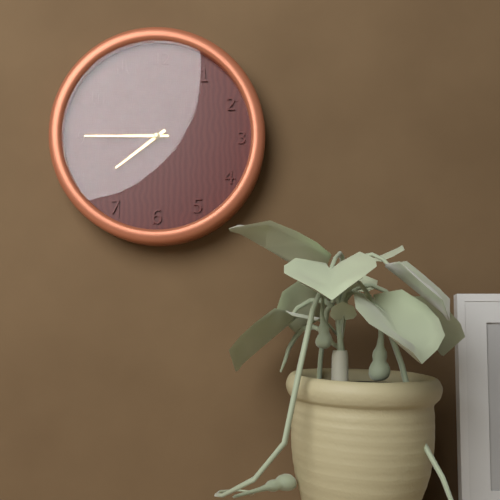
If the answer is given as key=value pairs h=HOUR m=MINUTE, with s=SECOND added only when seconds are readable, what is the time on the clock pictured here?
h=7 m=45
